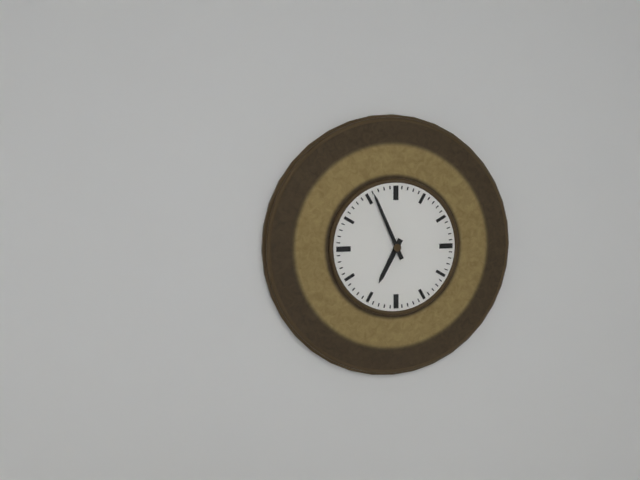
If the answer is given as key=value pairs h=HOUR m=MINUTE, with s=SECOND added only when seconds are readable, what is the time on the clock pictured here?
h=6 m=56
